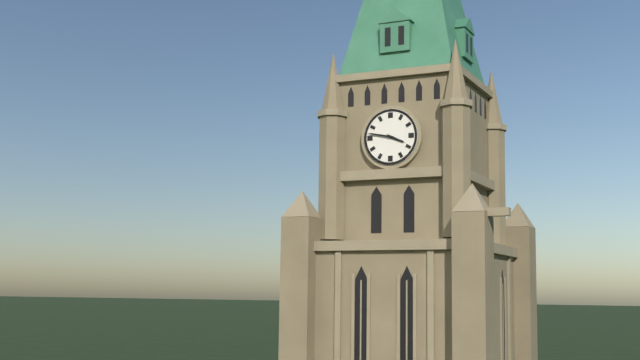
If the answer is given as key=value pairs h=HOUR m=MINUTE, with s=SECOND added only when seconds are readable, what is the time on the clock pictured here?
h=3 m=47
